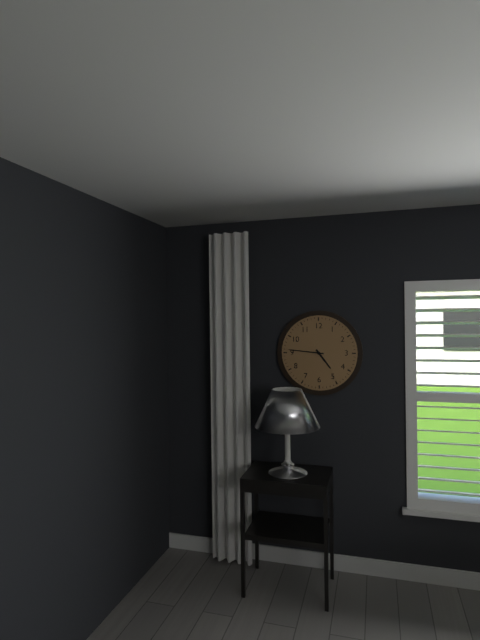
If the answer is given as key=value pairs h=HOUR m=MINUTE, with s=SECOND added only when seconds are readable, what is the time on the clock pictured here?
h=4 m=46
